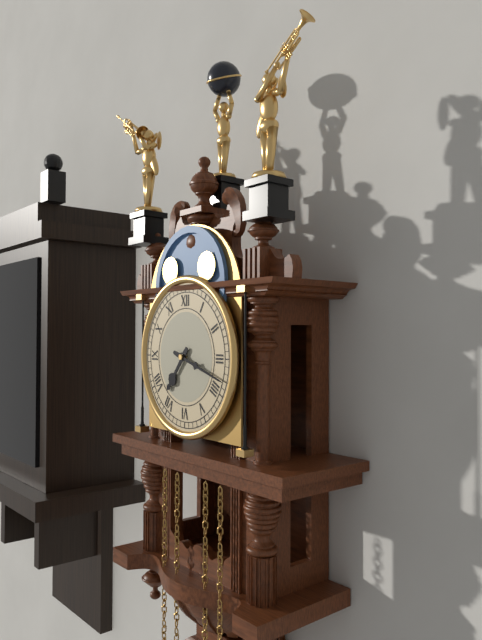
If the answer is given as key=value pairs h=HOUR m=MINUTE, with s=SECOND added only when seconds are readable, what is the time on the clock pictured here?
h=7 m=18
